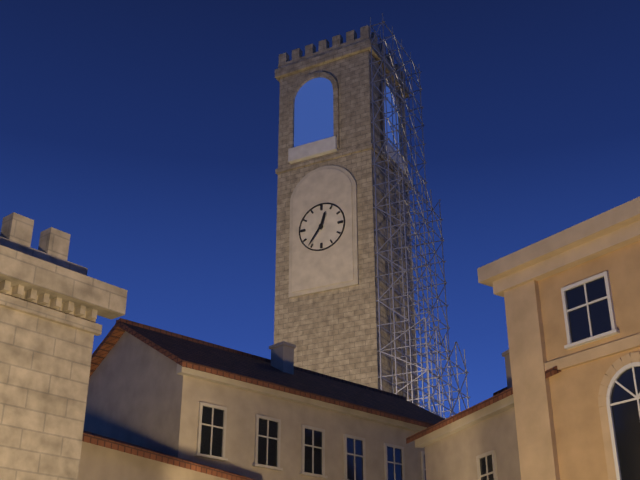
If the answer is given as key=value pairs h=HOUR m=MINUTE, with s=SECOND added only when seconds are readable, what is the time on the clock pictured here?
h=12 m=36
